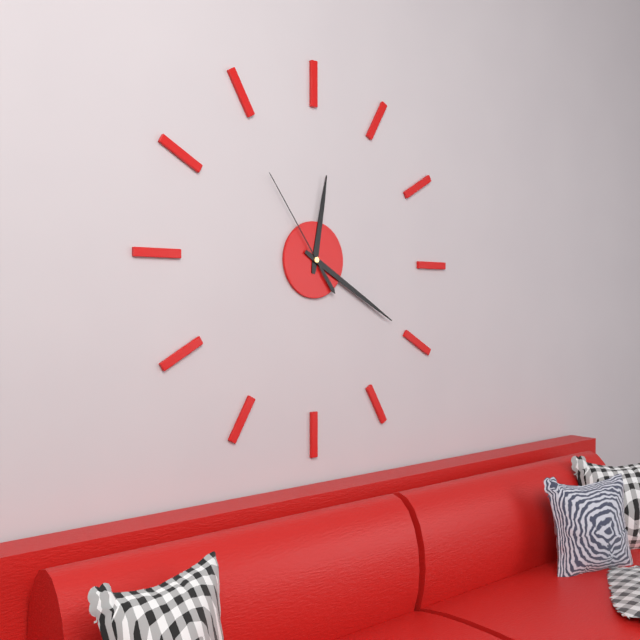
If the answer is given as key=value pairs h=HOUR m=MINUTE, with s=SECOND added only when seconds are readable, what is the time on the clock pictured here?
h=12 m=20 s=54
